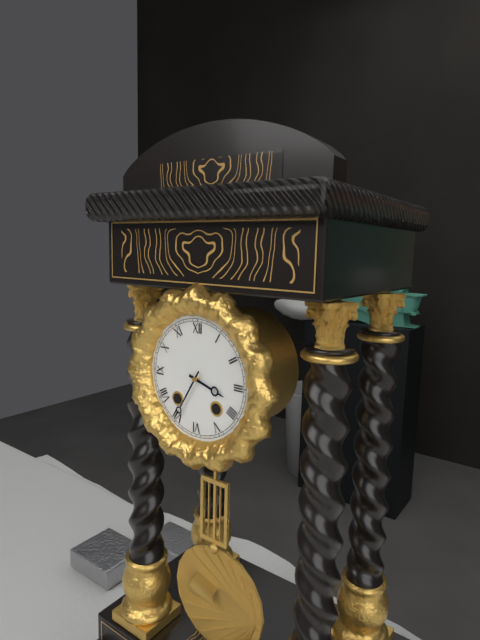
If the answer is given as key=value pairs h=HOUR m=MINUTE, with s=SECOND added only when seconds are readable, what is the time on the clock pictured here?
h=3 m=35
